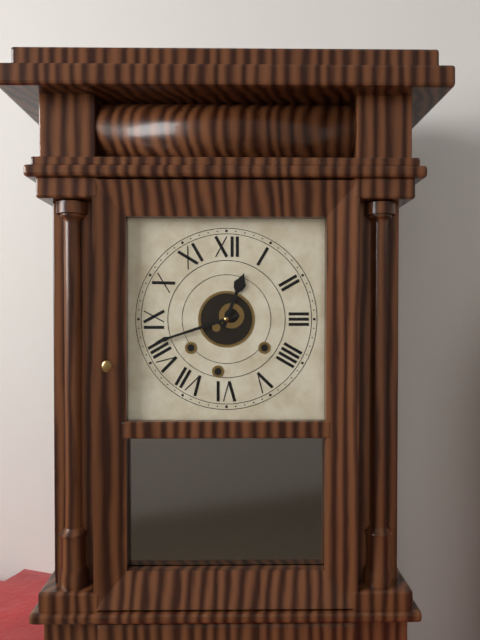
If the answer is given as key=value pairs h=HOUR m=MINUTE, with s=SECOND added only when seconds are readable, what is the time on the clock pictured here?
h=12 m=42
